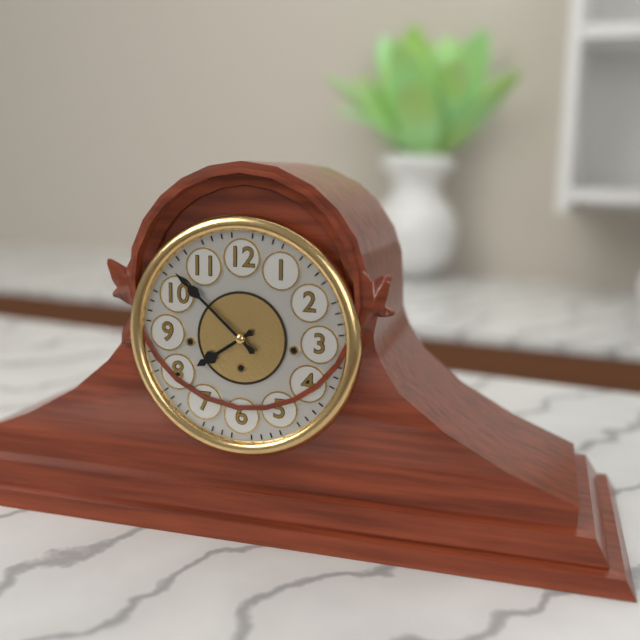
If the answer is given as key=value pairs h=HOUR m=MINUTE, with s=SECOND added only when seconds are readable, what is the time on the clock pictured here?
h=7 m=52
